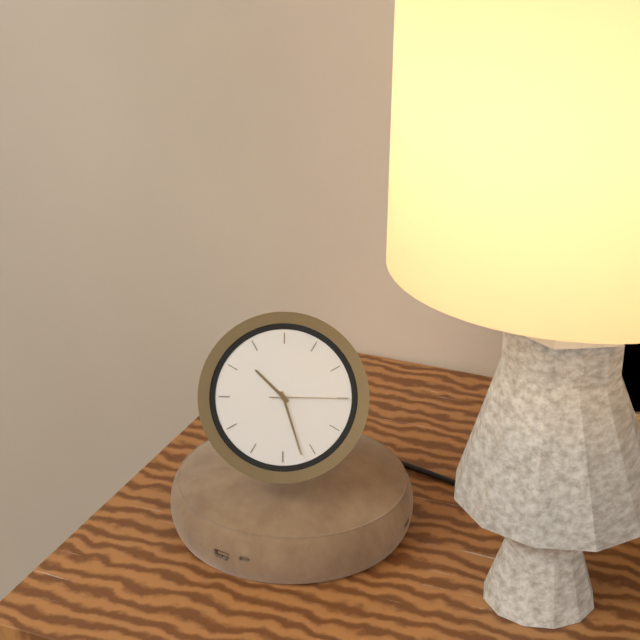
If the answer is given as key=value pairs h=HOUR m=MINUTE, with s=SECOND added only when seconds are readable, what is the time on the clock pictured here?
h=10 m=27 s=15
